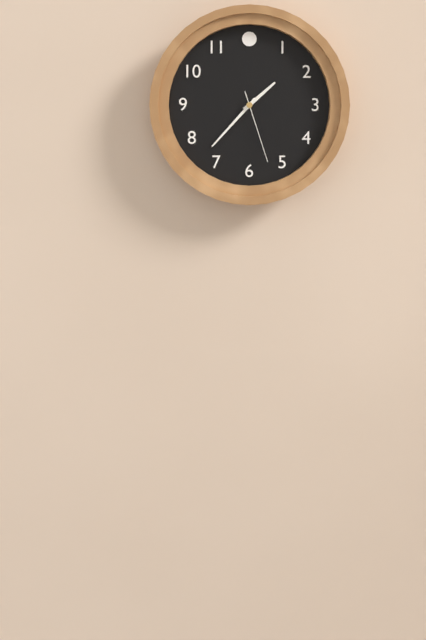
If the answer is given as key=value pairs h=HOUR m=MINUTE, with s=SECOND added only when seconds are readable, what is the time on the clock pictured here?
h=1 m=37 s=27
